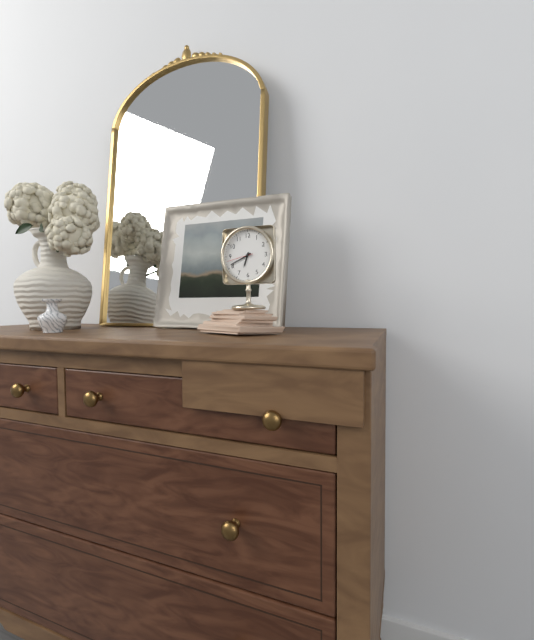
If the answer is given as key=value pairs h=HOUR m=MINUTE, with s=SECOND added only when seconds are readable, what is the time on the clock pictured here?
h=6 m=41
